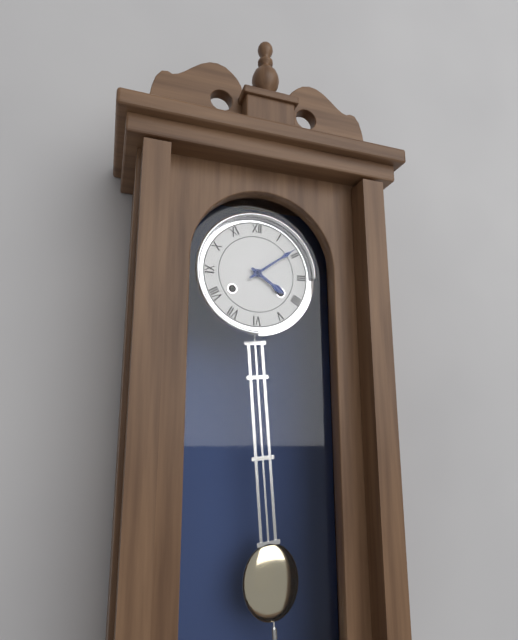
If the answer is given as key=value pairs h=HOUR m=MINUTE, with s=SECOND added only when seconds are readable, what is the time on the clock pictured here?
h=4 m=9
